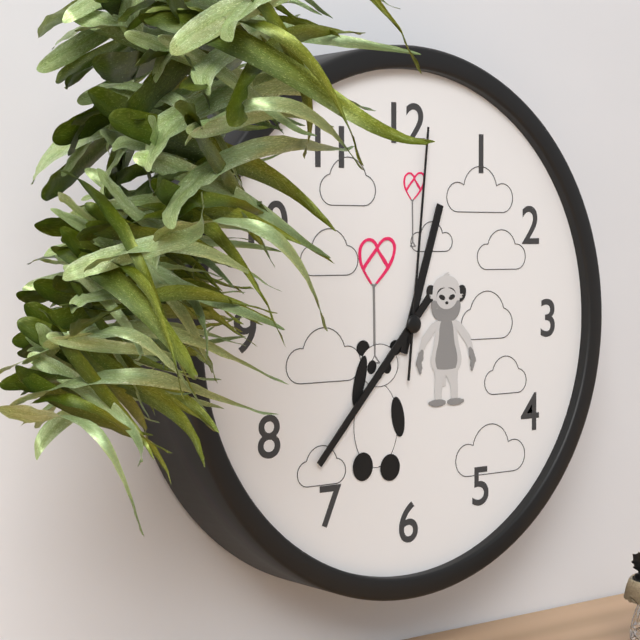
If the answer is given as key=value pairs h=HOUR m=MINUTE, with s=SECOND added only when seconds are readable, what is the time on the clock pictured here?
h=12 m=37 s=1
